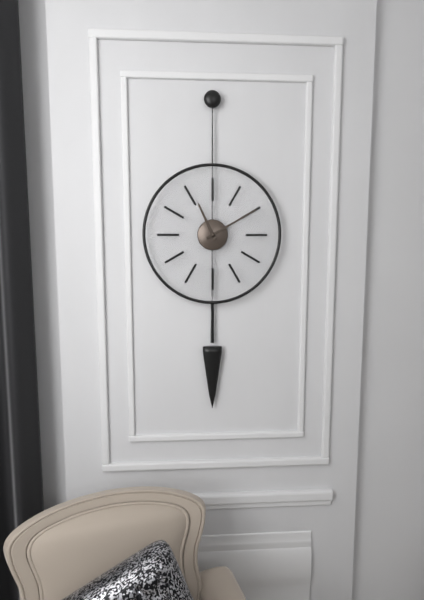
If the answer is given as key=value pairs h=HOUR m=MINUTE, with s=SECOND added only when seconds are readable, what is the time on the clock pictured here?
h=11 m=10
